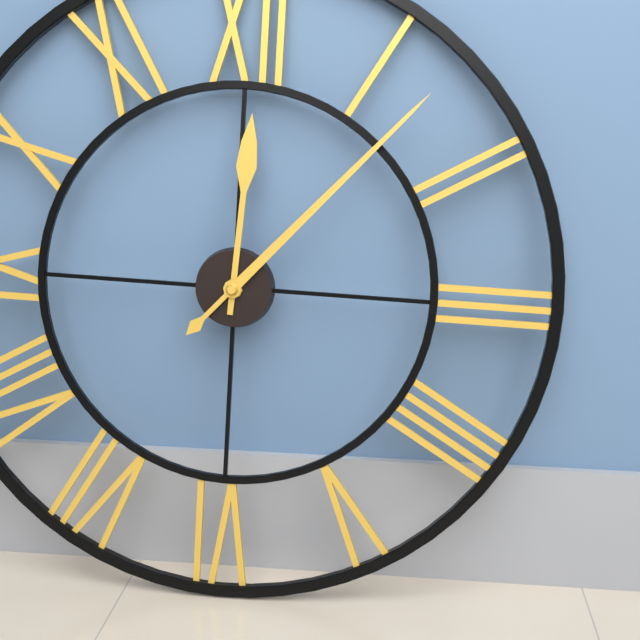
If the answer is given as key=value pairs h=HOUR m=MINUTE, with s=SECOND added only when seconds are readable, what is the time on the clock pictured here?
h=12 m=7
